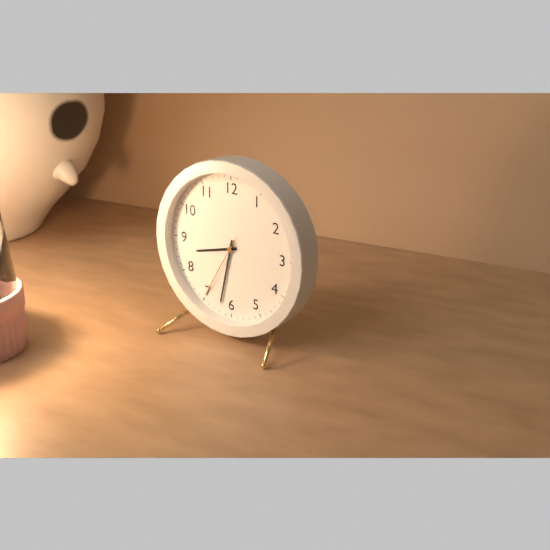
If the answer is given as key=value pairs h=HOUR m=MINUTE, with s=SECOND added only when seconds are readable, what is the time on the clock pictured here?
h=8 m=32 s=35
